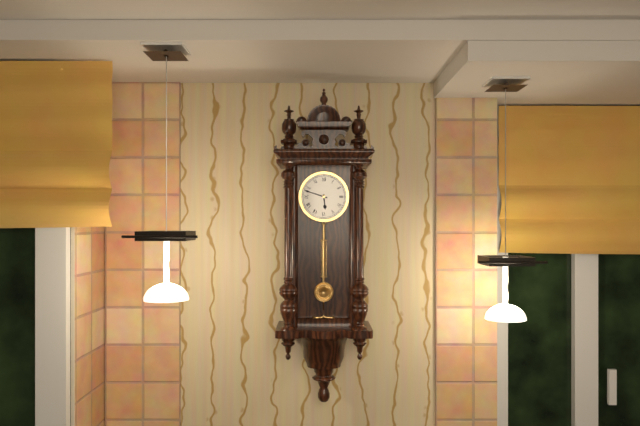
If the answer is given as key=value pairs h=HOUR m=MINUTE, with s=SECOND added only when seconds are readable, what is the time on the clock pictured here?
h=5 m=48
